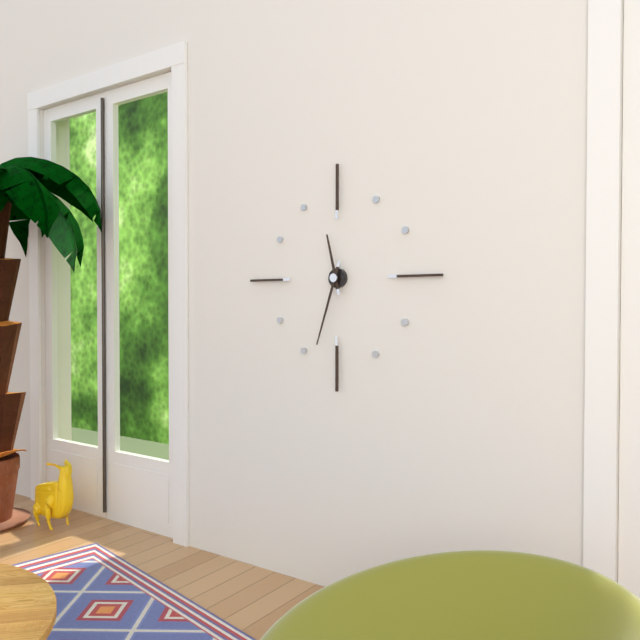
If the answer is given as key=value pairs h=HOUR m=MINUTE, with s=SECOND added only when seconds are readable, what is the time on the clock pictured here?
h=11 m=33
